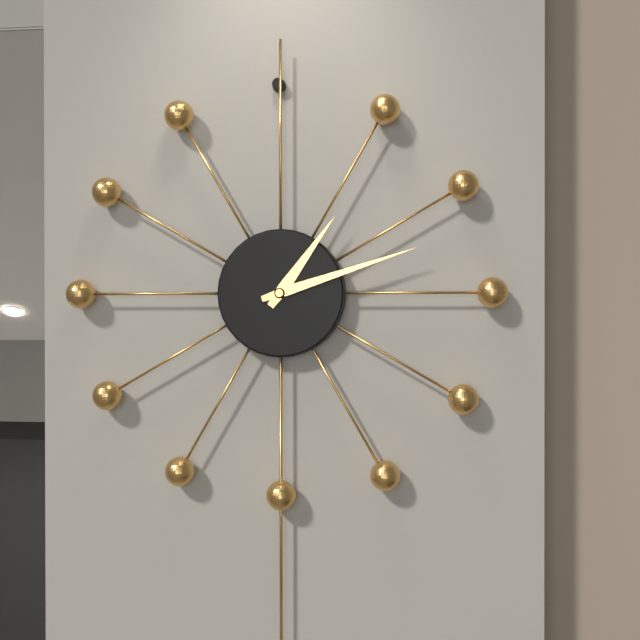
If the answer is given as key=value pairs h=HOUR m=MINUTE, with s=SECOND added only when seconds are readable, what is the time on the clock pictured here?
h=1 m=12
